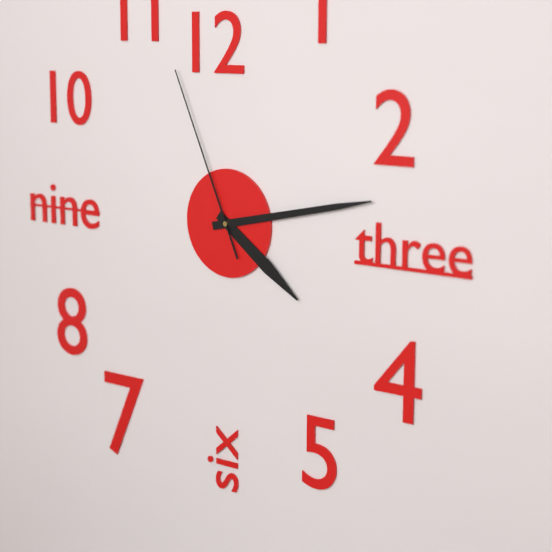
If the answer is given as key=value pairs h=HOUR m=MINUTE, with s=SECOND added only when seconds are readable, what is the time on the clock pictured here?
h=4 m=13 s=56
